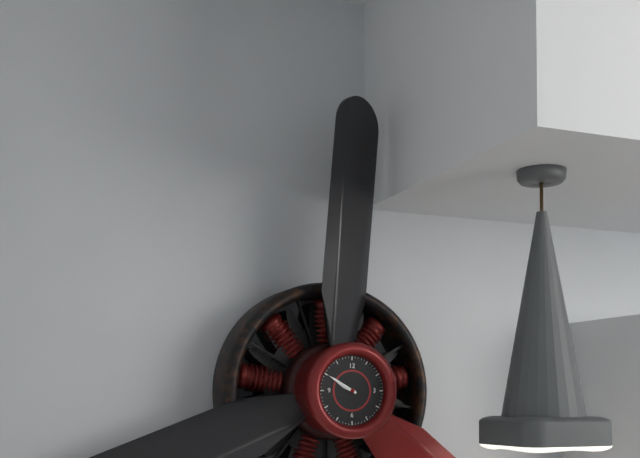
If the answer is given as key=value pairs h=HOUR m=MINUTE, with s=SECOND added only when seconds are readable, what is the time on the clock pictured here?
h=9 m=50
